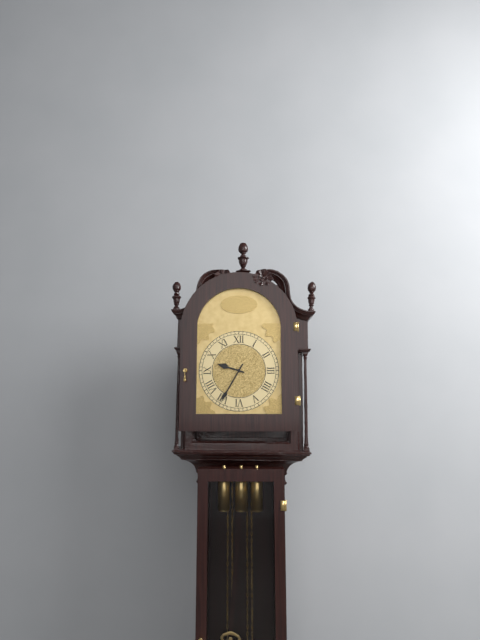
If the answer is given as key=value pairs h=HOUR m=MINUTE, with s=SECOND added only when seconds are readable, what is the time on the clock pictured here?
h=9 m=35
